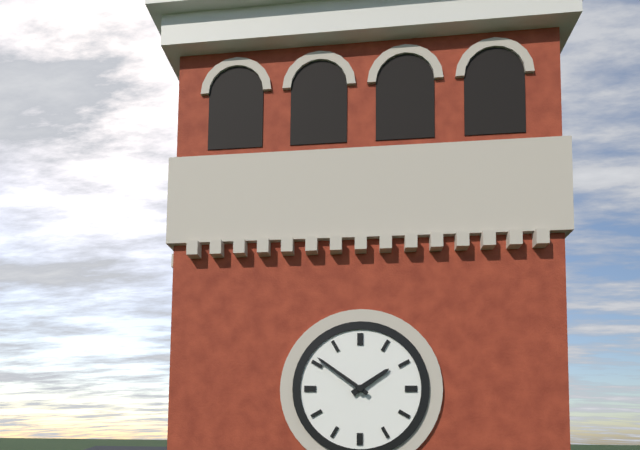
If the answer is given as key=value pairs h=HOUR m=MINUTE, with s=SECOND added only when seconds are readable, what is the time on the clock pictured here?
h=1 m=51
